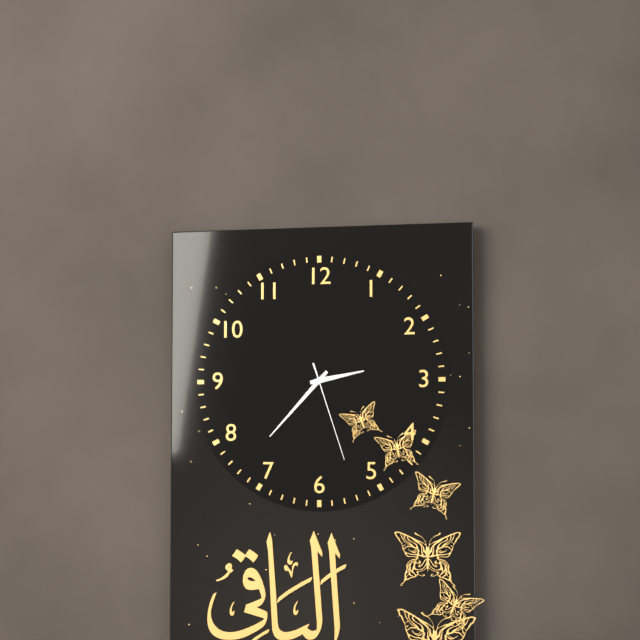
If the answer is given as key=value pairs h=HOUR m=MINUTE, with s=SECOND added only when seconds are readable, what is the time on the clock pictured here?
h=2 m=37 s=27
